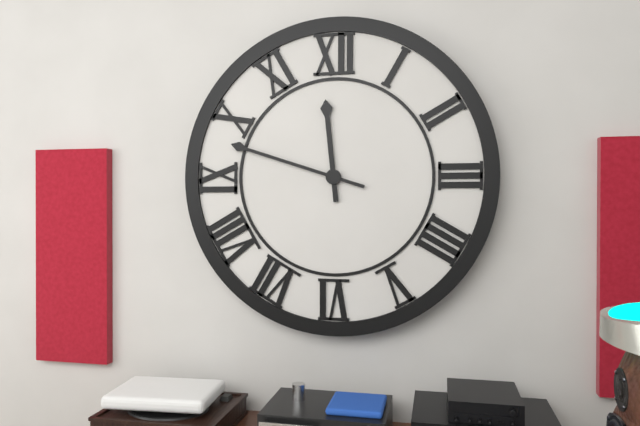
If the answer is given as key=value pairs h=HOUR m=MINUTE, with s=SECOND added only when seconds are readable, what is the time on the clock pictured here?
h=11 m=48
